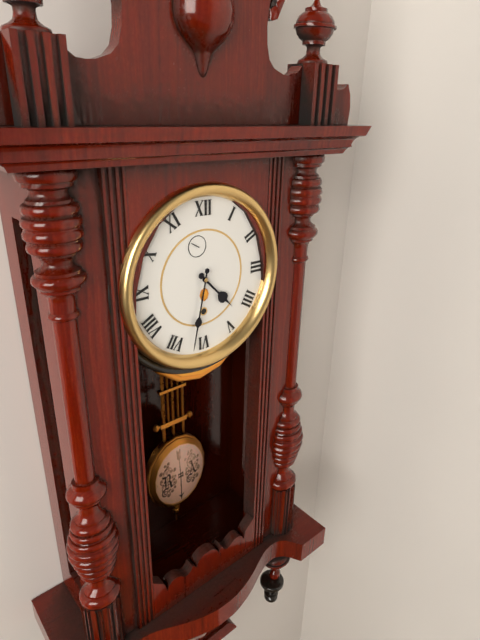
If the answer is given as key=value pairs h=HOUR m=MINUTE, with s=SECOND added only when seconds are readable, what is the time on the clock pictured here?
h=4 m=32
